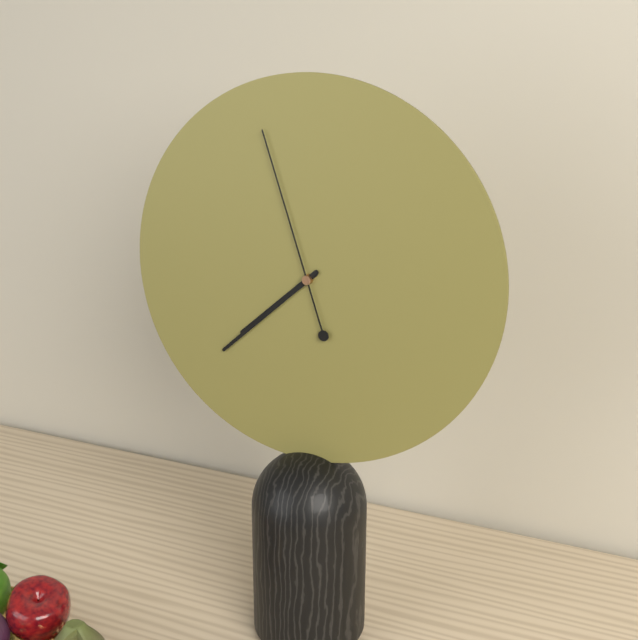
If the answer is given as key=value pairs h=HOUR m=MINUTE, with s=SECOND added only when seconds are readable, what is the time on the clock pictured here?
h=7 m=38 s=57
